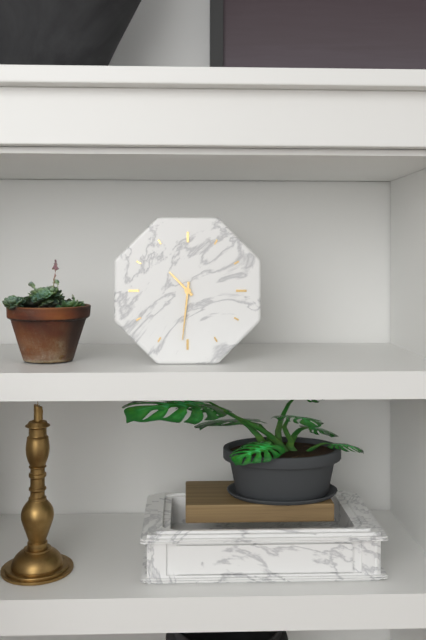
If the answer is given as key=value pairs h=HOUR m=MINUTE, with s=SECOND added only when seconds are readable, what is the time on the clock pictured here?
h=10 m=31
